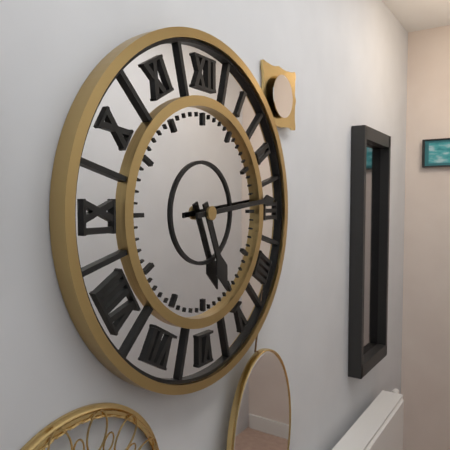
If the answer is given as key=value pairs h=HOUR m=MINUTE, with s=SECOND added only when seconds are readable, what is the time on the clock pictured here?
h=5 m=14
